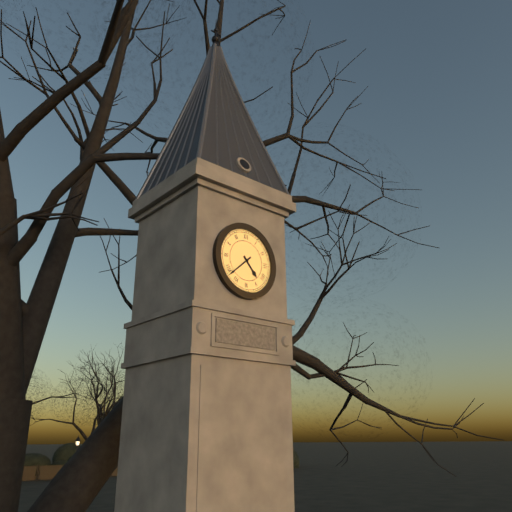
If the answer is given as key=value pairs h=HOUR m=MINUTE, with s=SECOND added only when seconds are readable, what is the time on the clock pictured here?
h=4 m=38
